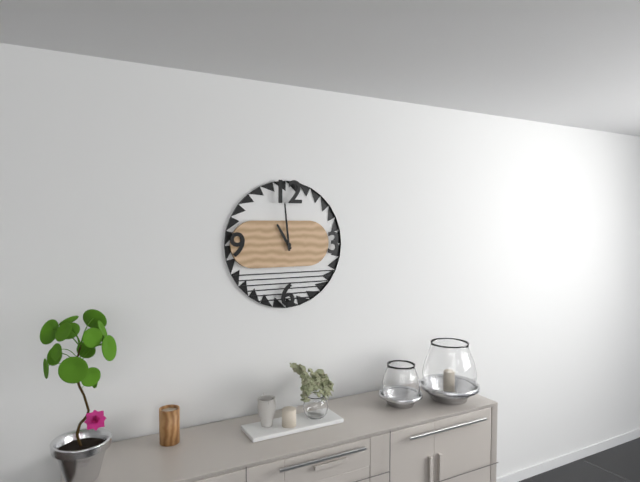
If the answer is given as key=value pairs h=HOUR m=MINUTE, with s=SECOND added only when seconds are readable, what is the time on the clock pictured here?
h=10 m=59
